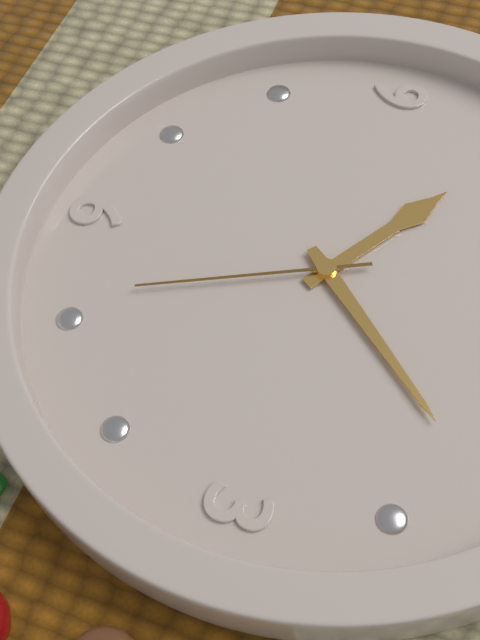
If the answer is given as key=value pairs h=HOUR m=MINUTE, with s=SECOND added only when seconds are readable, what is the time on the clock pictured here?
h=10 m=7 s=26
